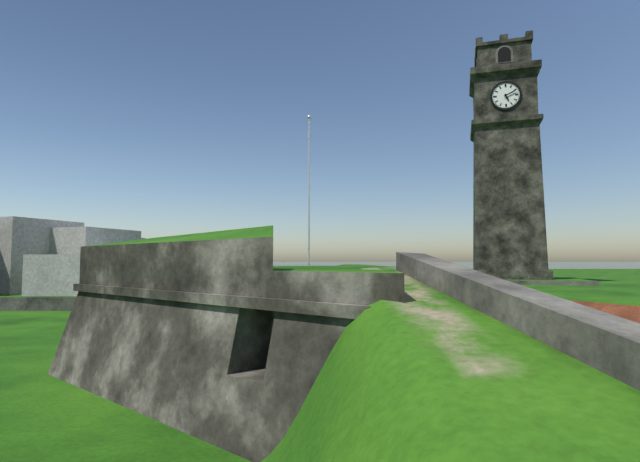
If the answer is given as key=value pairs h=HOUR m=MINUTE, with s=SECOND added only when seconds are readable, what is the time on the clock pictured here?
h=5 m=11
